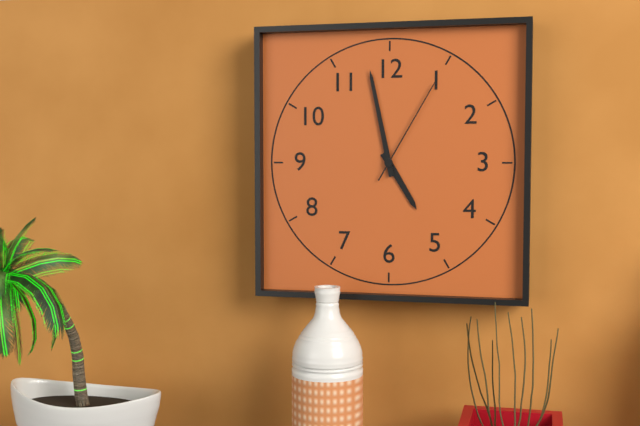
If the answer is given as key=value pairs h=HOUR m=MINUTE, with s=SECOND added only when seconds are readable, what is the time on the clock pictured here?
h=4 m=58 s=5
